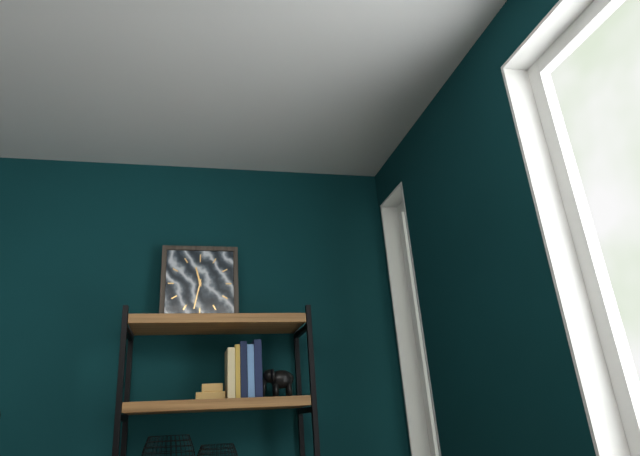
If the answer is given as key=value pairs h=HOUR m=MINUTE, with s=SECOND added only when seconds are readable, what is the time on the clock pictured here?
h=11 m=32
